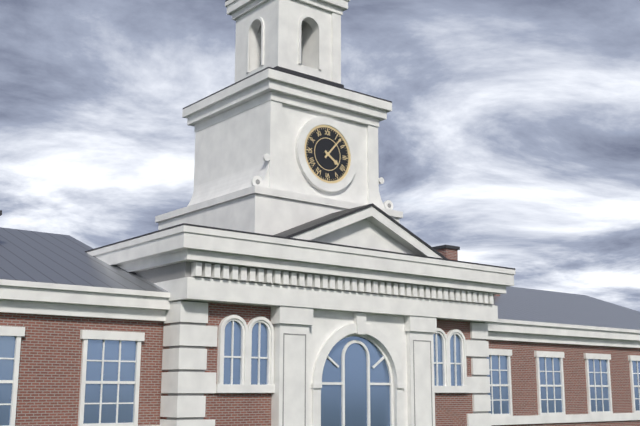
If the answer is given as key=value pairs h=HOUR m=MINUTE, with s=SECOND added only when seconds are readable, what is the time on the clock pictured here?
h=4 m=7
